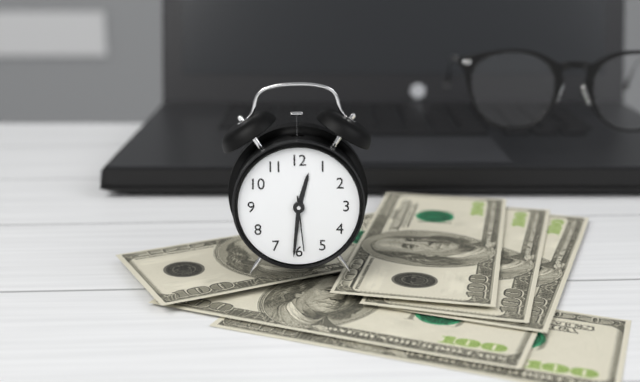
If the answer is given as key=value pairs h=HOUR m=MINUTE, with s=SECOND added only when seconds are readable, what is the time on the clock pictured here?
h=12 m=31 s=29
